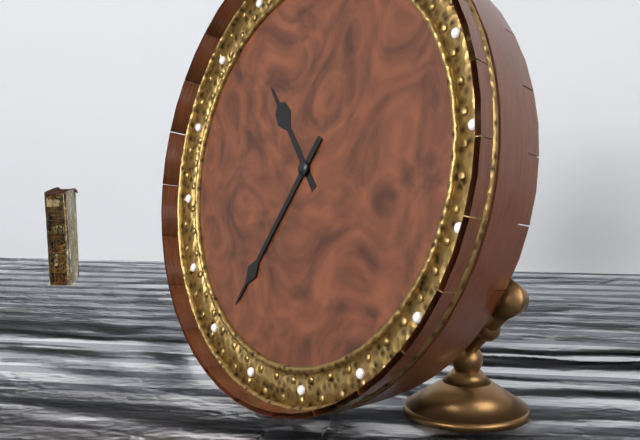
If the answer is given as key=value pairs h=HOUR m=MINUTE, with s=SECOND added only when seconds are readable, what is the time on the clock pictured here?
h=10 m=35
